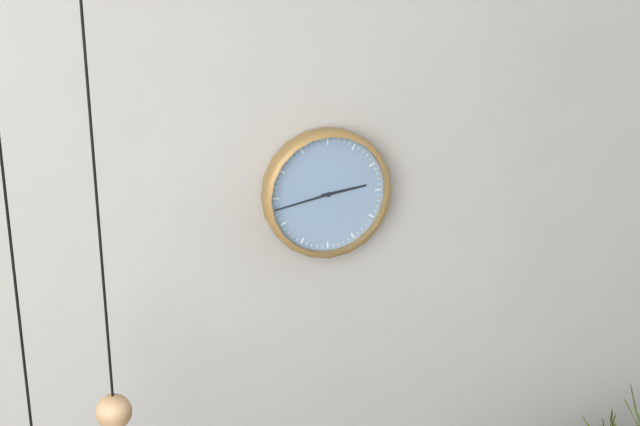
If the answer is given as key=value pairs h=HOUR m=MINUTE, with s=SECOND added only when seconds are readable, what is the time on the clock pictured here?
h=2 m=43
